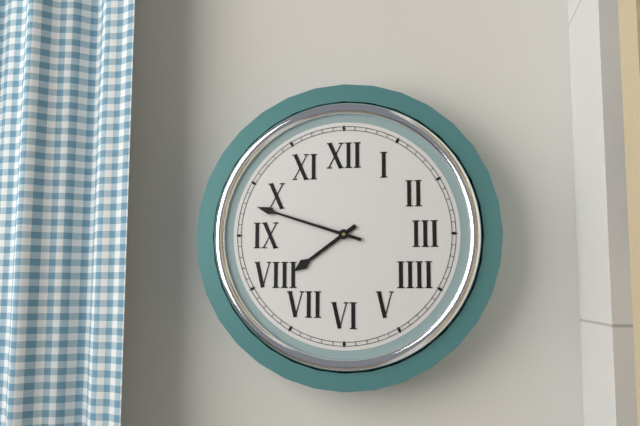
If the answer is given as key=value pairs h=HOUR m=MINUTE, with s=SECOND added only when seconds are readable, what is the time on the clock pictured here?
h=7 m=48
